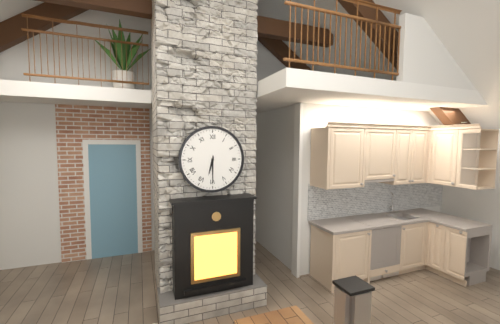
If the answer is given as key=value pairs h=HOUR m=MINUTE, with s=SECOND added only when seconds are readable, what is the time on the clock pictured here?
h=6 m=30
